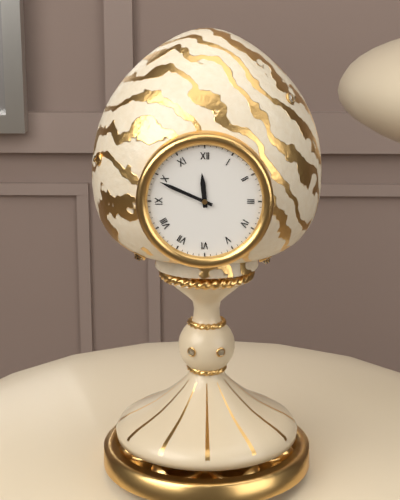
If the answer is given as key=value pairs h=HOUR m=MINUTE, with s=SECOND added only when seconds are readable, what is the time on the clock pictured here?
h=11 m=49
